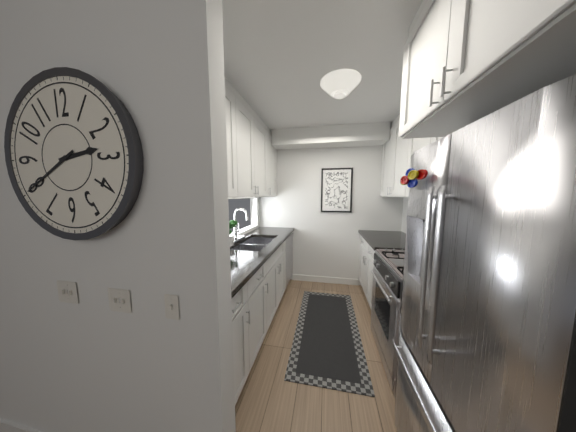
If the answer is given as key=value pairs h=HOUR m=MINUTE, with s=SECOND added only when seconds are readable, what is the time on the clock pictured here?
h=2 m=40
